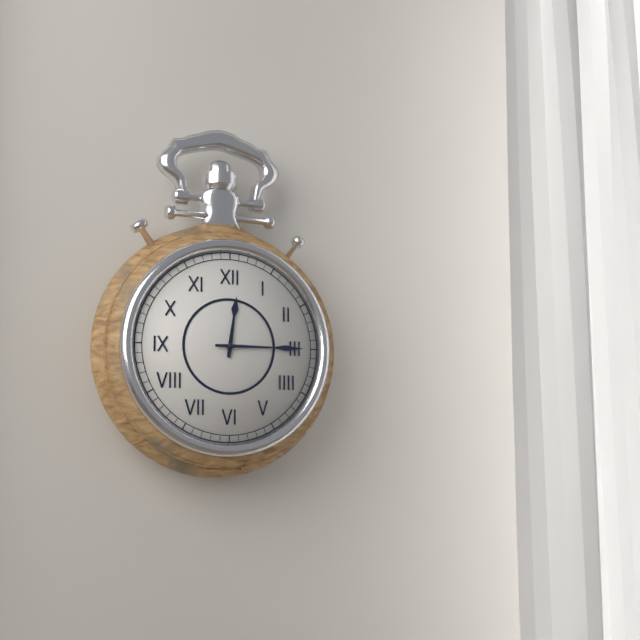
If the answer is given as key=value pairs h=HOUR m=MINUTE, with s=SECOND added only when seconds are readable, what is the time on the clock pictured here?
h=12 m=15
